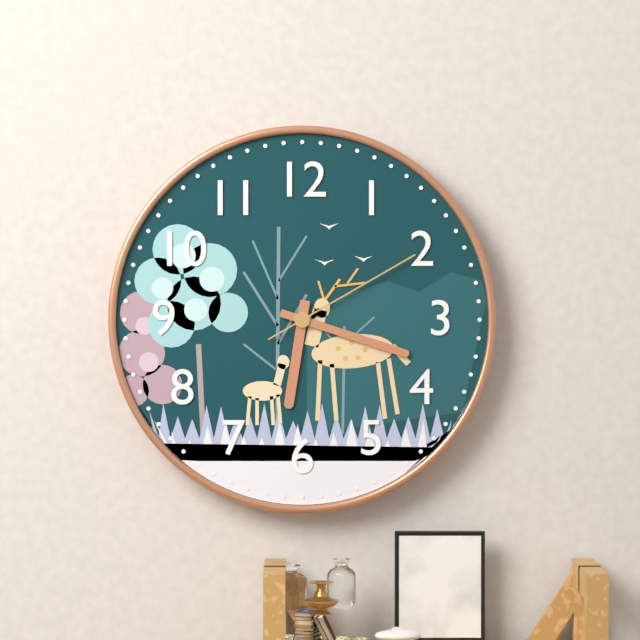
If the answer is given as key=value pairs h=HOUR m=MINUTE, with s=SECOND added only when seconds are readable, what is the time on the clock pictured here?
h=6 m=18 s=10
